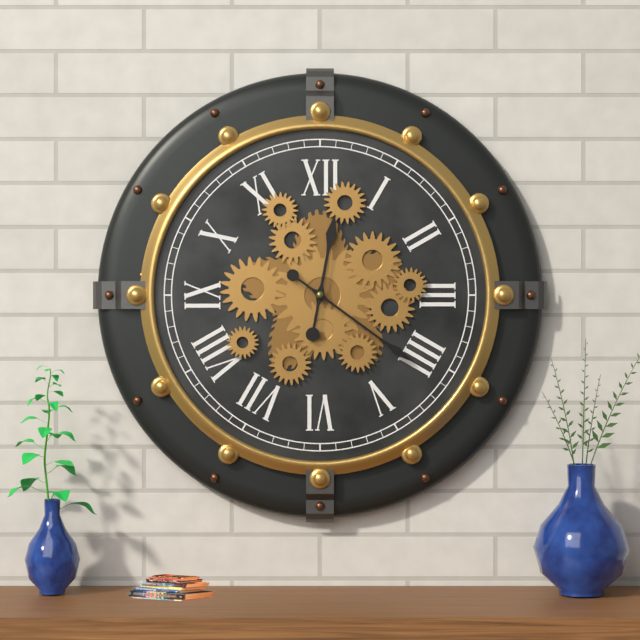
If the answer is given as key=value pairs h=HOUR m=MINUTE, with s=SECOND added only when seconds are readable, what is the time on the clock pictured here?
h=12 m=21
